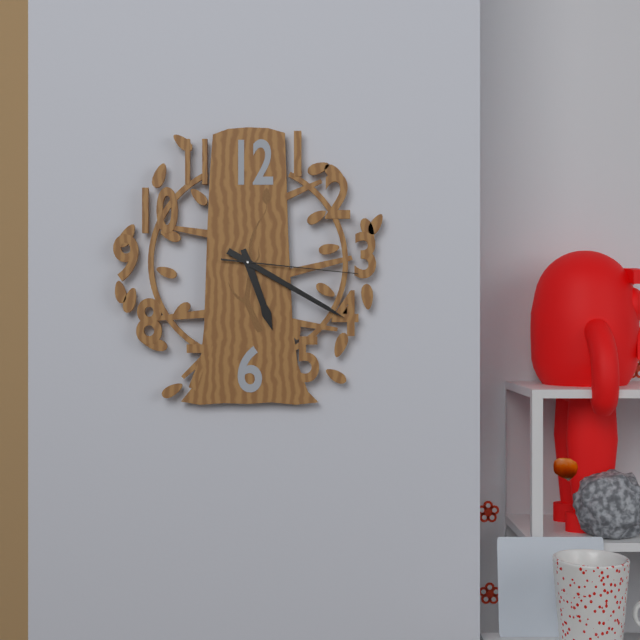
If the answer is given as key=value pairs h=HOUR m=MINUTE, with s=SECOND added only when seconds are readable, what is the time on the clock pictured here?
h=5 m=20 s=16
